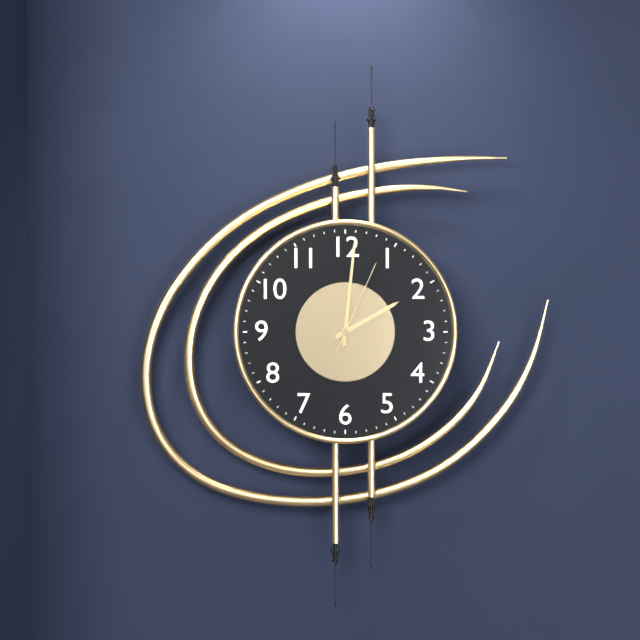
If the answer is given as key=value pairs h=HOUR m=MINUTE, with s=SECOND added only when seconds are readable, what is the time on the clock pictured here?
h=2 m=1 s=4
